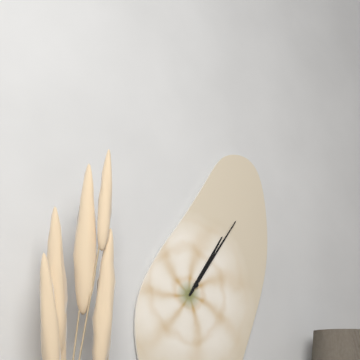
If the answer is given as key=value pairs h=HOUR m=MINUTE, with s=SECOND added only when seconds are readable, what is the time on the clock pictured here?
h=1 m=6
